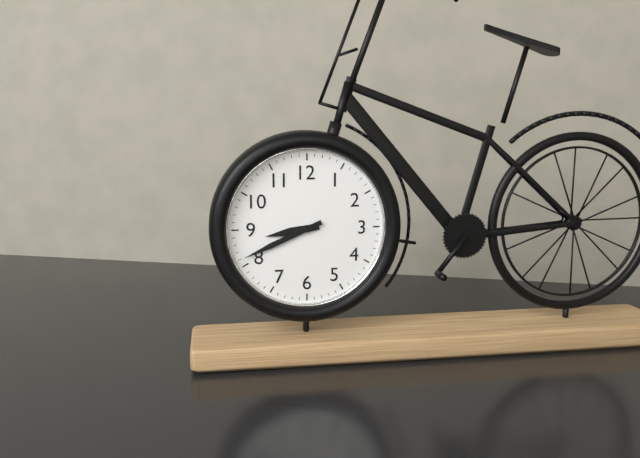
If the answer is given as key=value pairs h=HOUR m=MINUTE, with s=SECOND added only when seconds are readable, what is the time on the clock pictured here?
h=8 m=41
